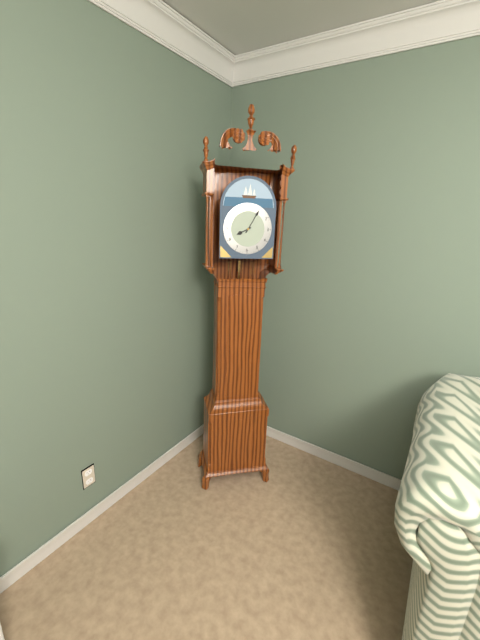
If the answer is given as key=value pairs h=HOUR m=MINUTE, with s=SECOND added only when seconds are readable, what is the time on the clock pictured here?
h=8 m=5
